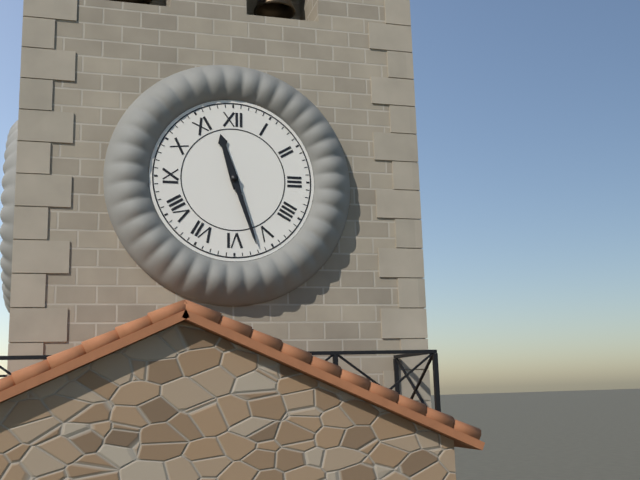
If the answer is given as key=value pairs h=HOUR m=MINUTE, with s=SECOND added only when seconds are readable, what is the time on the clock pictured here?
h=11 m=27
